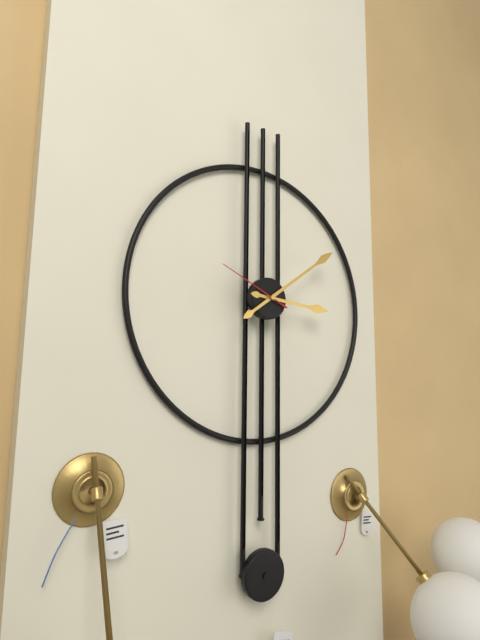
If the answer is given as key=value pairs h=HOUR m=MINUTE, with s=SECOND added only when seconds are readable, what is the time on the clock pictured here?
h=3 m=9 s=49
